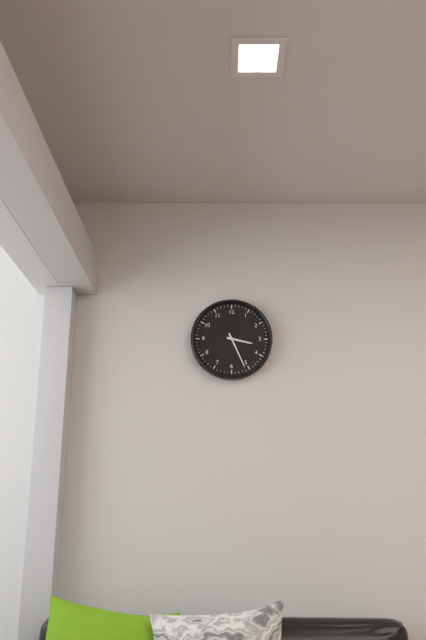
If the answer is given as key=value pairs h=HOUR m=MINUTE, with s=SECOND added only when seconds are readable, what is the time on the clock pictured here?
h=3 m=26
